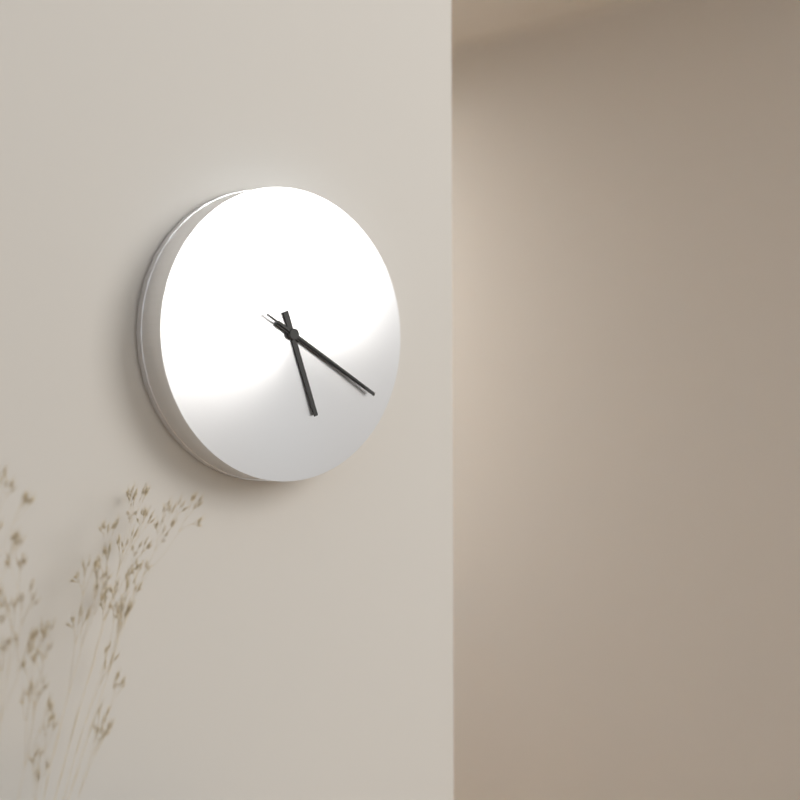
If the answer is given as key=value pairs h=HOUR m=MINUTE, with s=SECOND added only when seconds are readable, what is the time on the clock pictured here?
h=5 m=20 s=20
